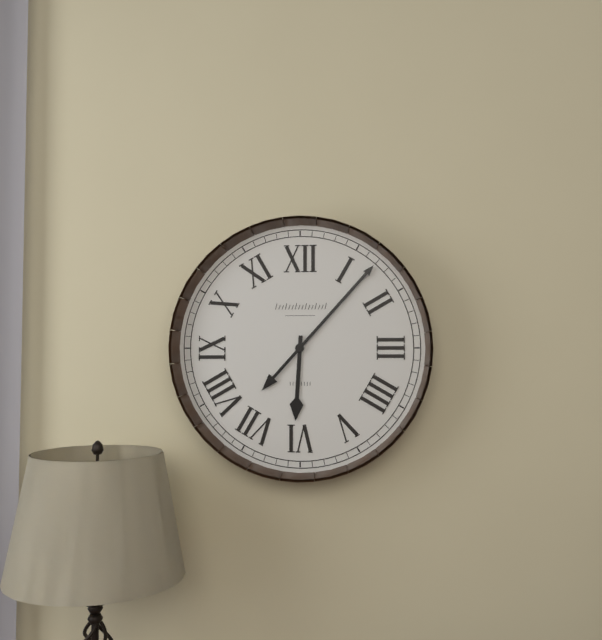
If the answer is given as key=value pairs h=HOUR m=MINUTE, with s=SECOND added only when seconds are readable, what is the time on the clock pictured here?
h=6 m=7
